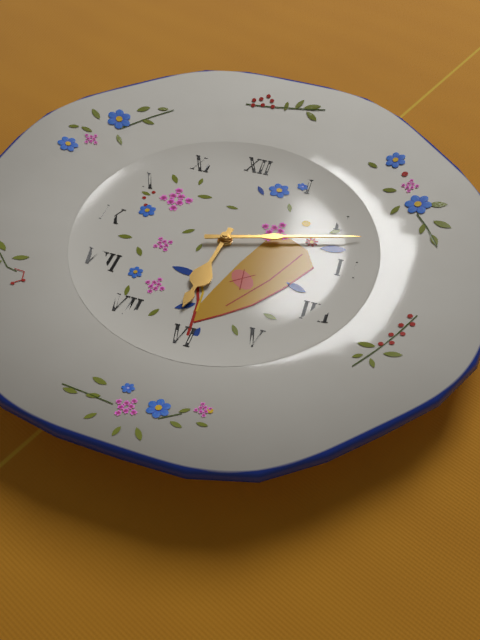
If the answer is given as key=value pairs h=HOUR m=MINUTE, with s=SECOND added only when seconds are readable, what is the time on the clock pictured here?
h=6 m=12
